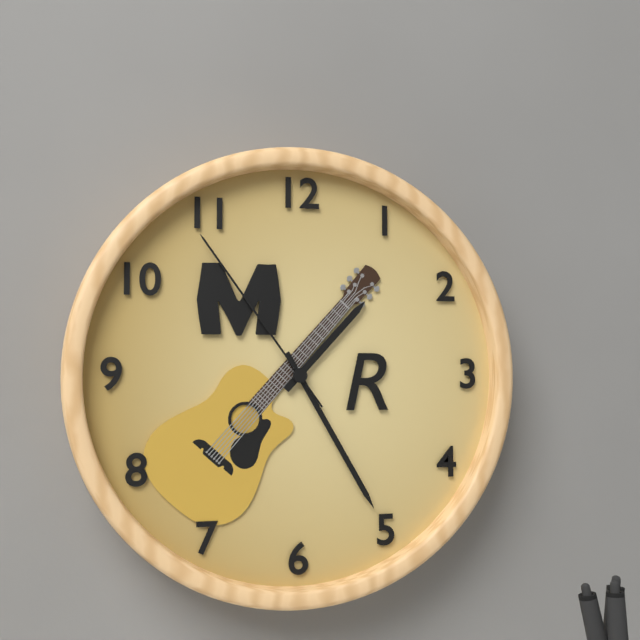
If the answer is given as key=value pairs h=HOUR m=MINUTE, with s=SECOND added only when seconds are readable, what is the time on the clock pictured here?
h=1 m=25 s=54
